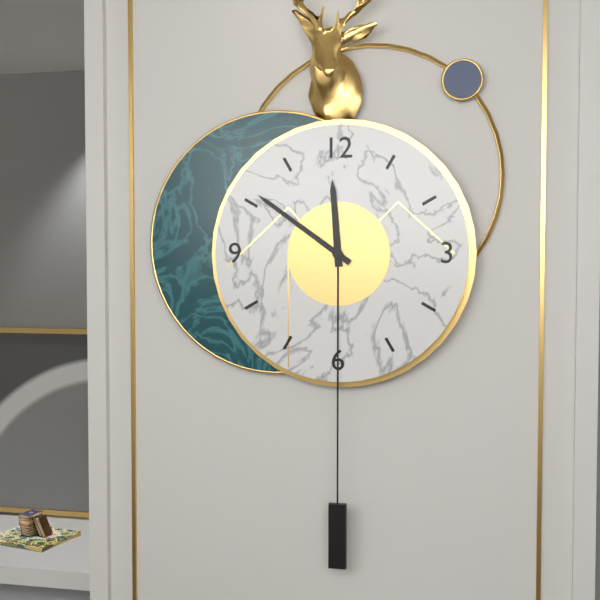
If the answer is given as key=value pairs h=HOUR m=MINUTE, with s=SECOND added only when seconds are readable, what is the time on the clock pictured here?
h=11 m=51
